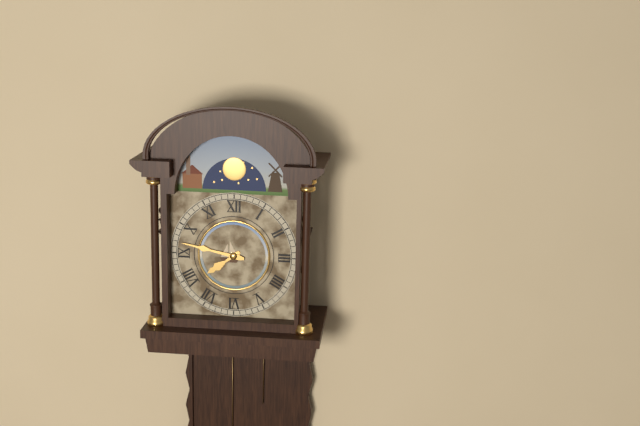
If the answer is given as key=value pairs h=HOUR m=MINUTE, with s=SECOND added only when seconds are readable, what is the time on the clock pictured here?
h=7 m=47
